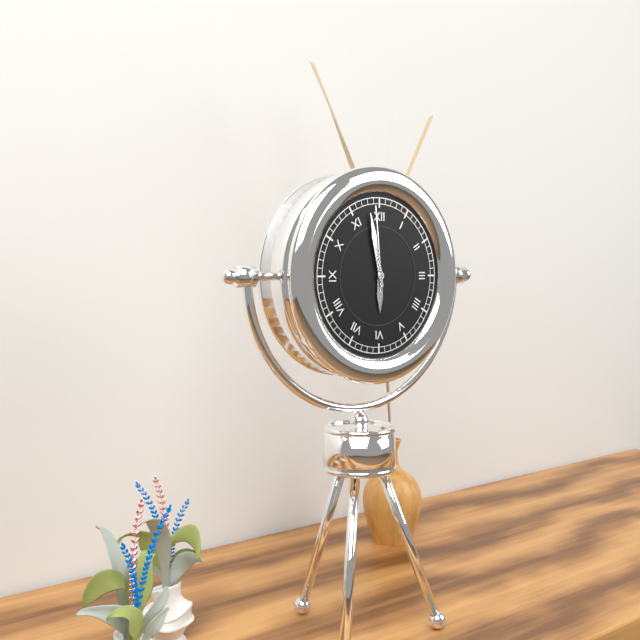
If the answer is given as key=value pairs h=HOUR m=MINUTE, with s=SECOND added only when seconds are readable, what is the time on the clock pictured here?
h=5 m=58 s=59
